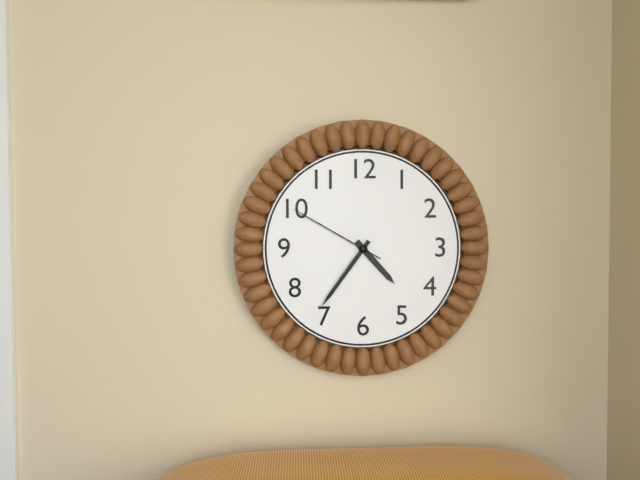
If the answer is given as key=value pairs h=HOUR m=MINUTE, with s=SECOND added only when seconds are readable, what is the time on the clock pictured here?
h=4 m=36 s=50
